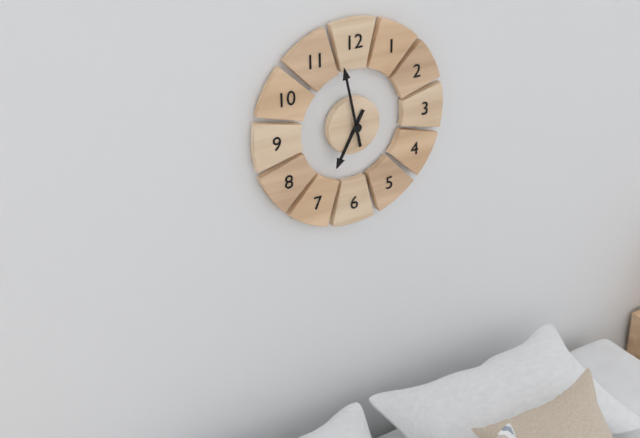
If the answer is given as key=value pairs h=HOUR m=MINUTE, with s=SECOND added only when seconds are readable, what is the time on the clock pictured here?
h=6 m=58
